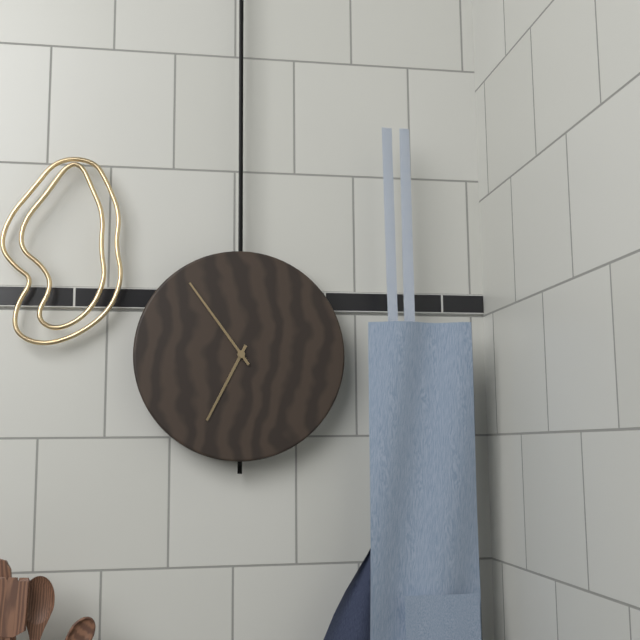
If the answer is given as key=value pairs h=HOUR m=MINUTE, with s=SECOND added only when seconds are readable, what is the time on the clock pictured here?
h=6 m=54
